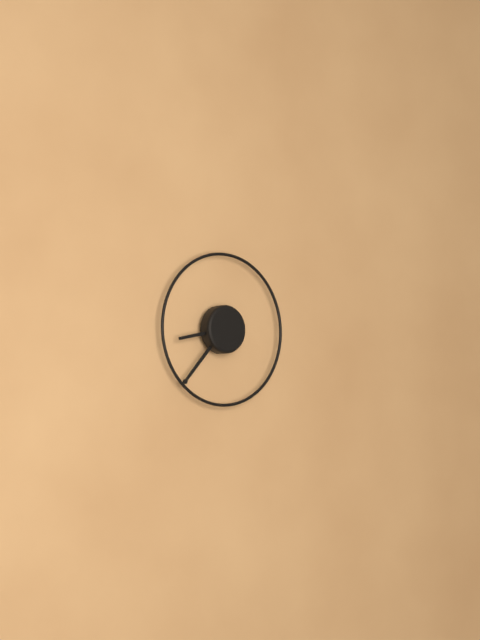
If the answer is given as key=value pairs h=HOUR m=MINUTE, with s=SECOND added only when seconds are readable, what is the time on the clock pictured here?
h=8 m=37
